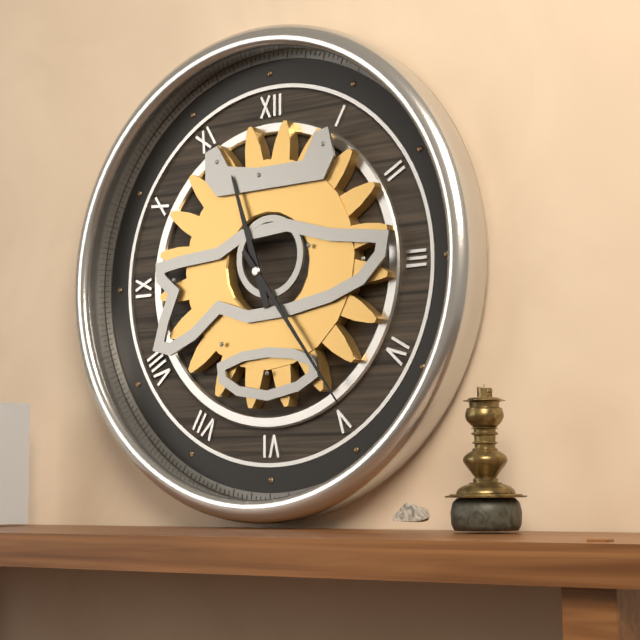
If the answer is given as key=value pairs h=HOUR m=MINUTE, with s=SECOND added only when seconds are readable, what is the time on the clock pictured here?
h=11 m=24
